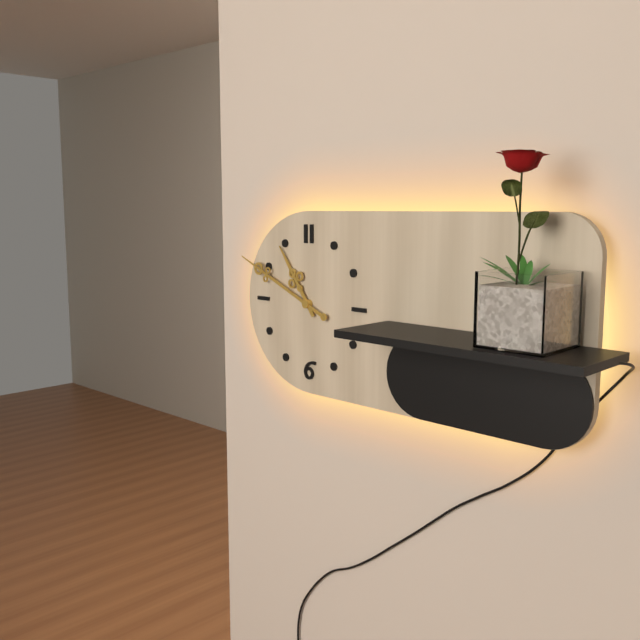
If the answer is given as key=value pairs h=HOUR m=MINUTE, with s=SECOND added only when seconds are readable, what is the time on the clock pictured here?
h=10 m=49
